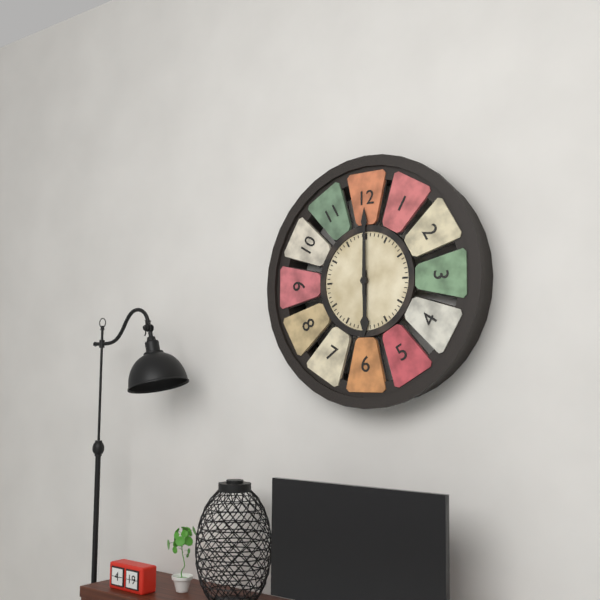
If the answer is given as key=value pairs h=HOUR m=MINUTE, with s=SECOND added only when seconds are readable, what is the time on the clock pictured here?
h=6 m=0
